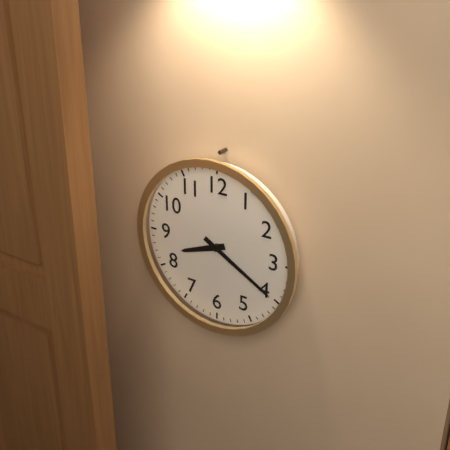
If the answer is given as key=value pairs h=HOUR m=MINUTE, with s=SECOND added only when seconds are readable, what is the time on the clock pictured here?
h=8 m=20
